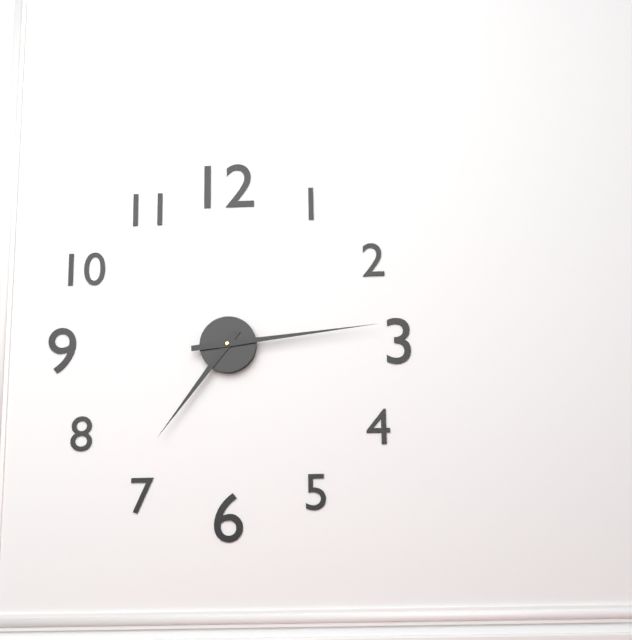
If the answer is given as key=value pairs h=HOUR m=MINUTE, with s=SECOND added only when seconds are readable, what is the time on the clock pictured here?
h=7 m=14
